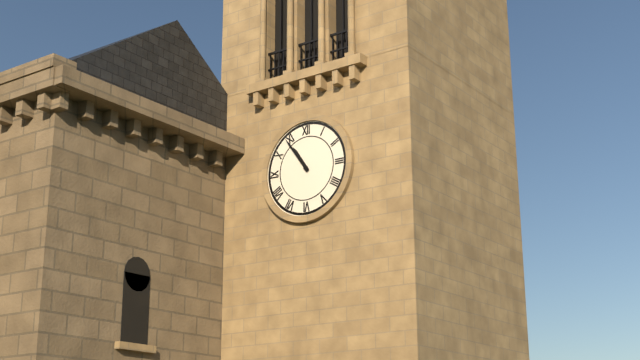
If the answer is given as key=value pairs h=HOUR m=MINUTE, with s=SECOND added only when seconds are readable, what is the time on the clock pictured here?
h=10 m=54
